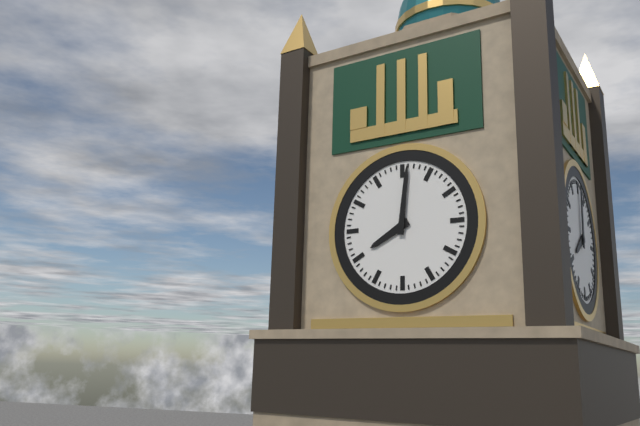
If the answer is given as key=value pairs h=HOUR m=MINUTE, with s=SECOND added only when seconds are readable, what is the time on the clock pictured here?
h=8 m=1
